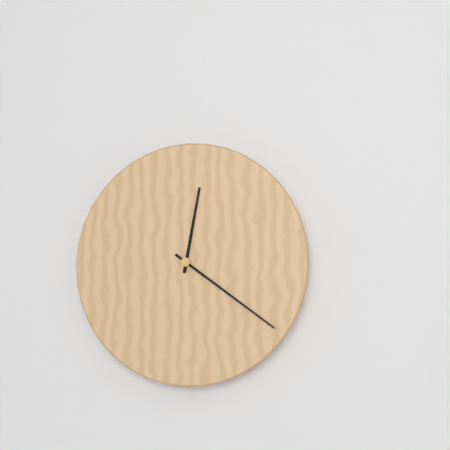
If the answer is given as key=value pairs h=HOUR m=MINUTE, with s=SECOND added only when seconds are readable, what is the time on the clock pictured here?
h=12 m=21
